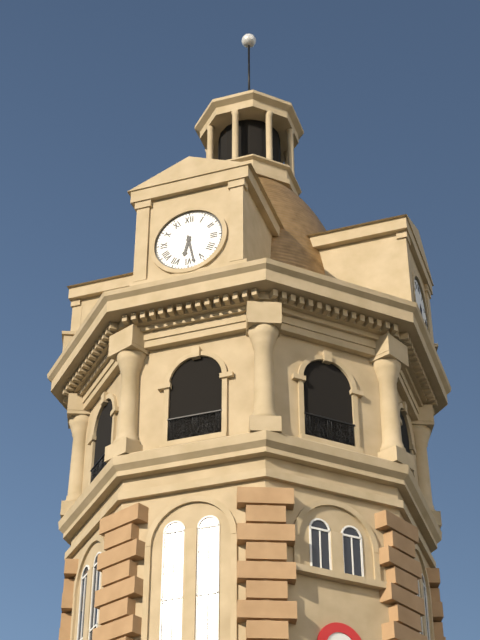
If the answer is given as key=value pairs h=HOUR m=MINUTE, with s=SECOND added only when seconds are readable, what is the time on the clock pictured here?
h=6 m=28
